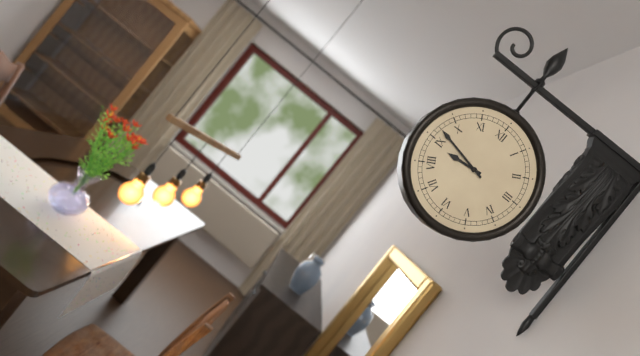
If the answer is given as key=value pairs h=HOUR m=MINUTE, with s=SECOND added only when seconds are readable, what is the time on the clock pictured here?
h=8 m=47
